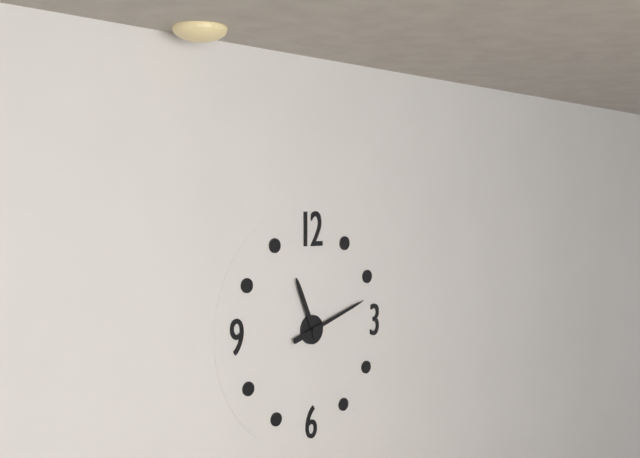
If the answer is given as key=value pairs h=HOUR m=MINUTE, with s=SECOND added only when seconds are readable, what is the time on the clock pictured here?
h=11 m=12
